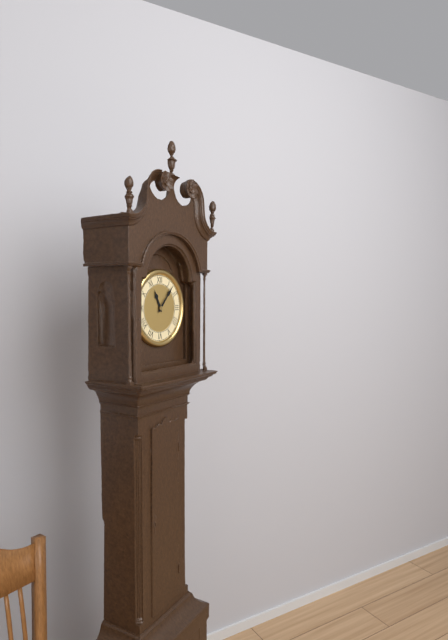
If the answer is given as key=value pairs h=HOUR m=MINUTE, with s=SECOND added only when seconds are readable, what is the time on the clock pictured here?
h=11 m=7
